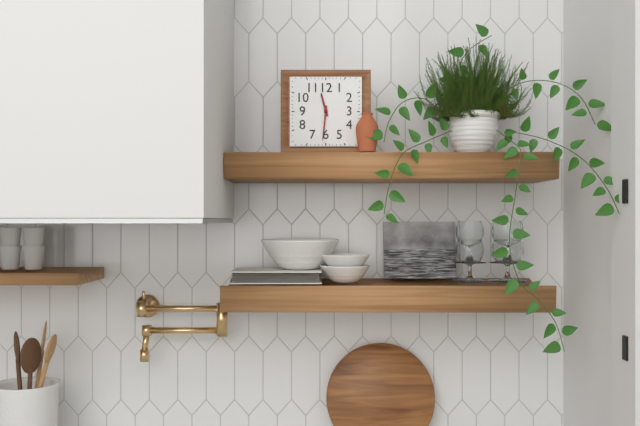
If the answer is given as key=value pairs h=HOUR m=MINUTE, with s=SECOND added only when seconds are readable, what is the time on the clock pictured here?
h=11 m=31
